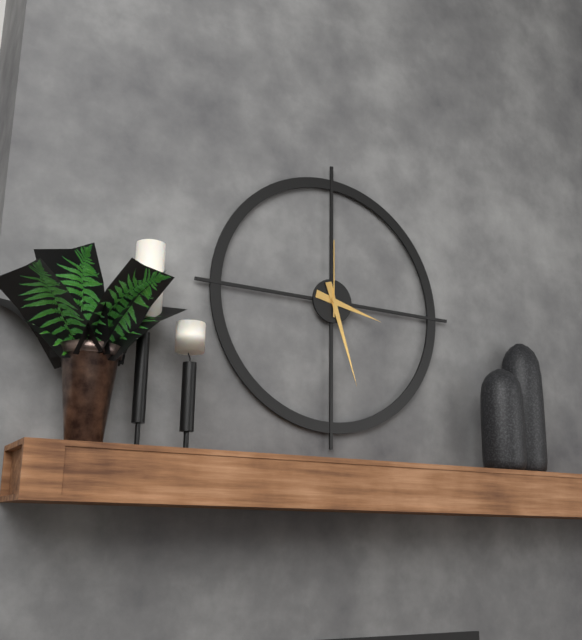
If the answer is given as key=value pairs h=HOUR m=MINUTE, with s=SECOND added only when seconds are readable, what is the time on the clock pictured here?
h=3 m=27 s=0
